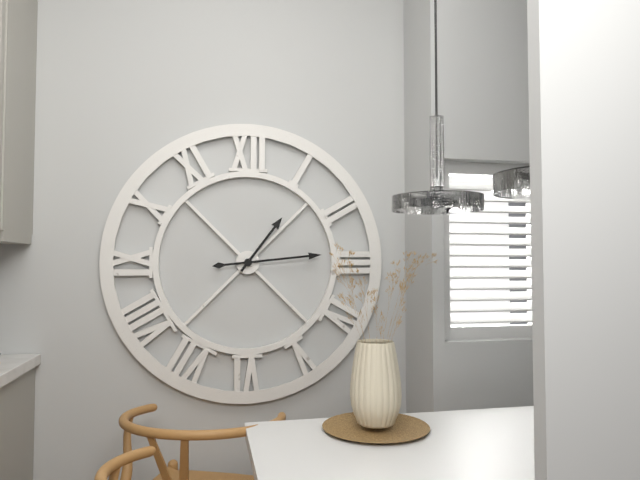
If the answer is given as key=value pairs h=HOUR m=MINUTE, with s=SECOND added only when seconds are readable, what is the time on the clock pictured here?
h=1 m=14
